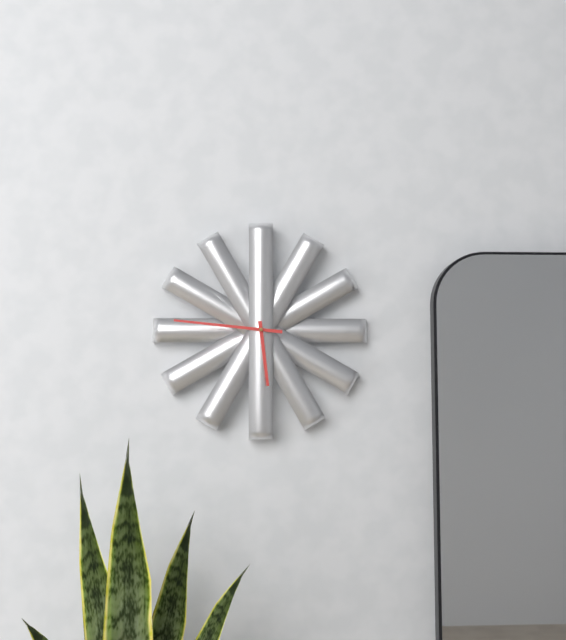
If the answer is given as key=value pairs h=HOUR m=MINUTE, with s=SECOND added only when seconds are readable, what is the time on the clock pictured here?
h=5 m=46
